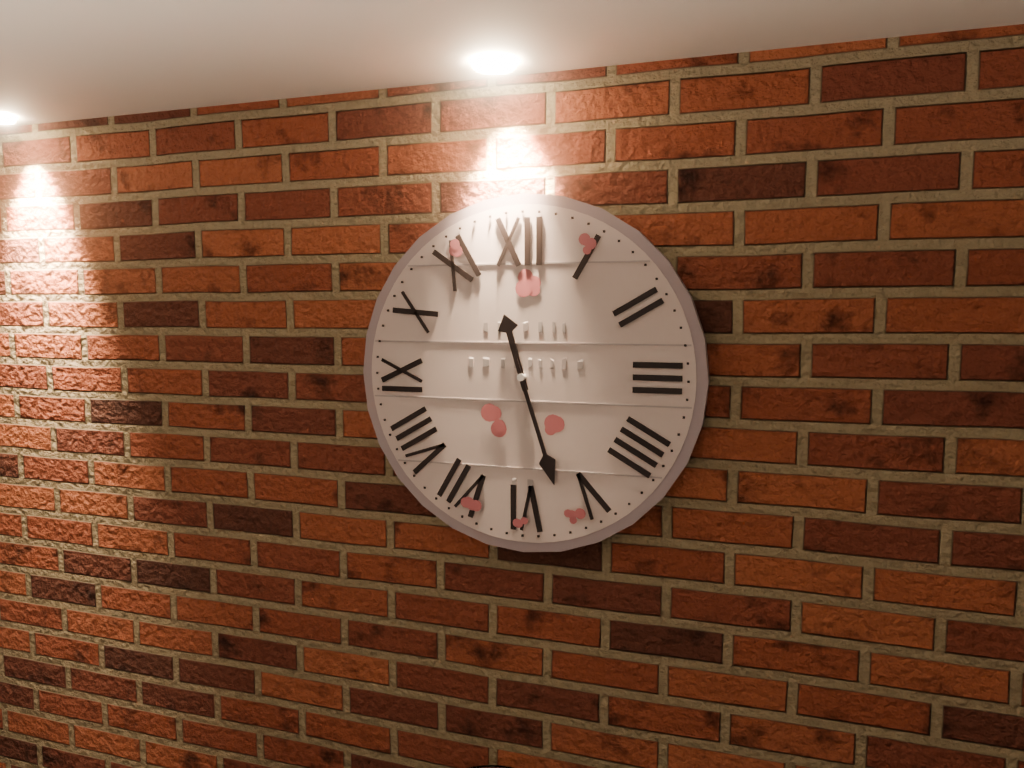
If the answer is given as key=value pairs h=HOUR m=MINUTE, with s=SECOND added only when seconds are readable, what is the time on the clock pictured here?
h=11 m=27
